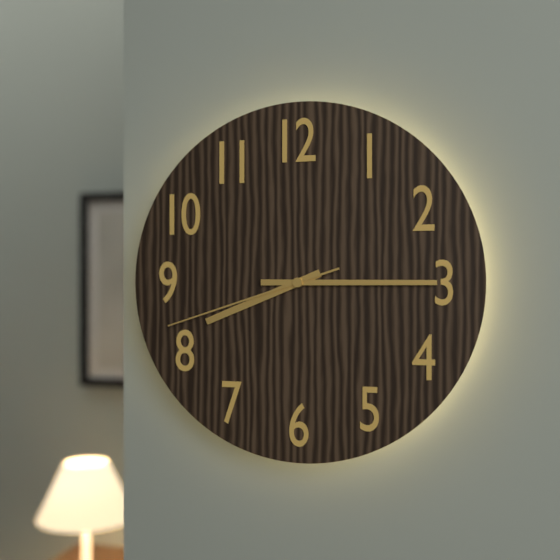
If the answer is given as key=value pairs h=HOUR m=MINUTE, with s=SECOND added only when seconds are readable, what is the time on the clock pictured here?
h=8 m=15 s=42
